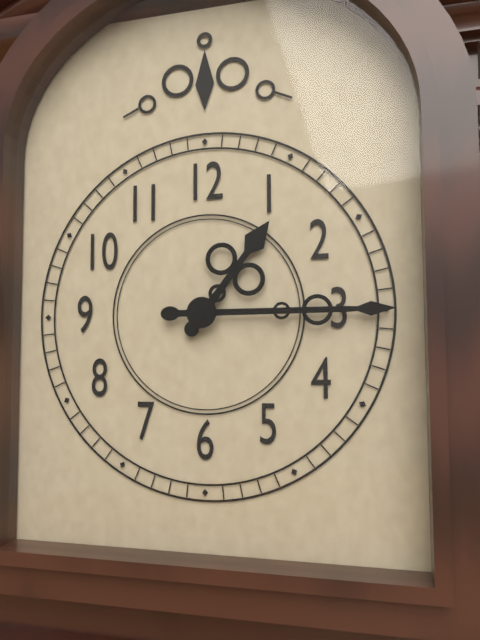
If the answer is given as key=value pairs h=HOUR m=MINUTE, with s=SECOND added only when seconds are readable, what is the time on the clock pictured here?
h=1 m=15
